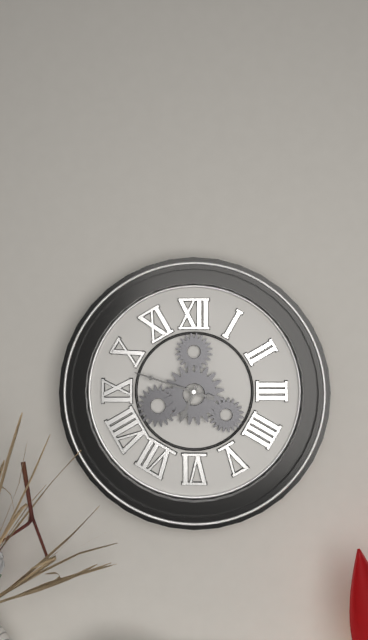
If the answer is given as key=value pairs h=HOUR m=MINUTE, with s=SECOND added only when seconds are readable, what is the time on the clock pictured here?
h=6 m=48
